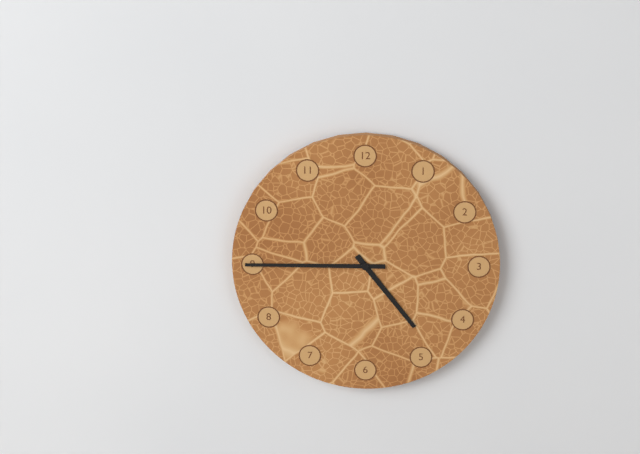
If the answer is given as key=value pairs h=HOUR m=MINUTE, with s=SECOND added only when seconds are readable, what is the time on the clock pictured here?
h=4 m=45
